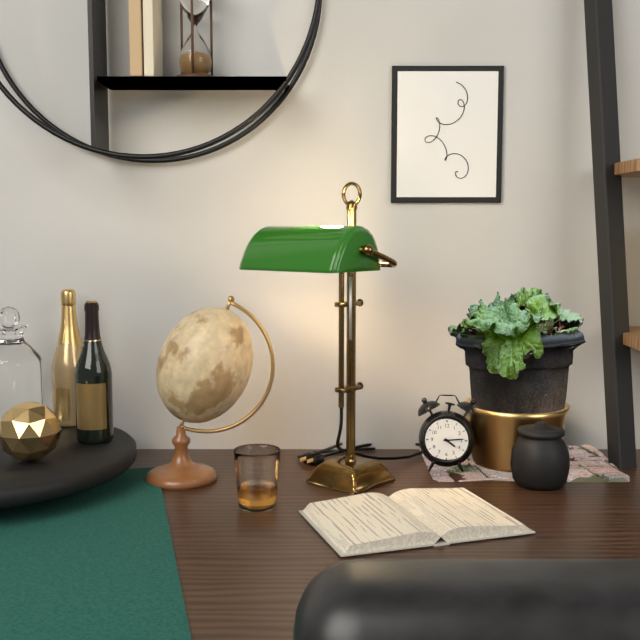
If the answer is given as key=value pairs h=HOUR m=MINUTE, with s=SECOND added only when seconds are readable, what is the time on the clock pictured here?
h=4 m=14
